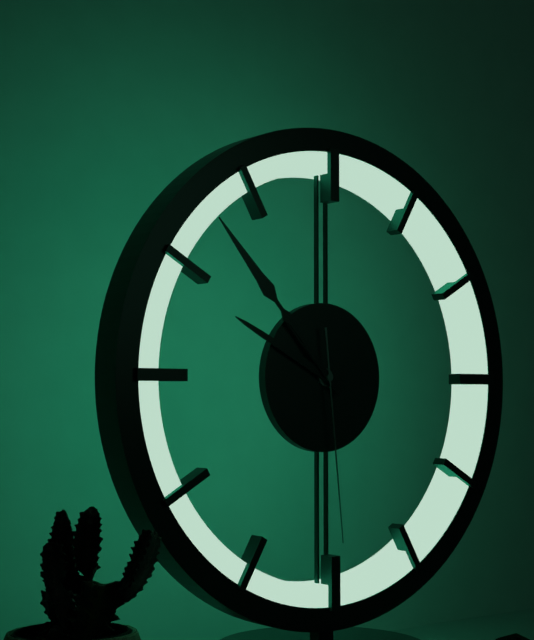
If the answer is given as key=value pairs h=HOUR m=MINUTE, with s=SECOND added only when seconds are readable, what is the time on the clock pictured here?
h=9 m=53 s=29
